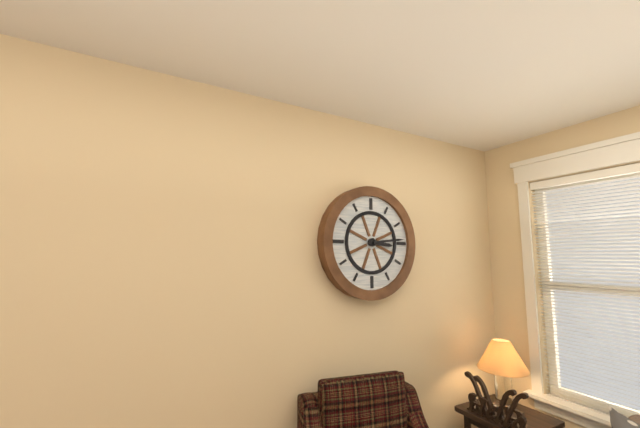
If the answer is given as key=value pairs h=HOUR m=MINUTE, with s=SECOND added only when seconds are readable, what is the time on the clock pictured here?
h=3 m=14
